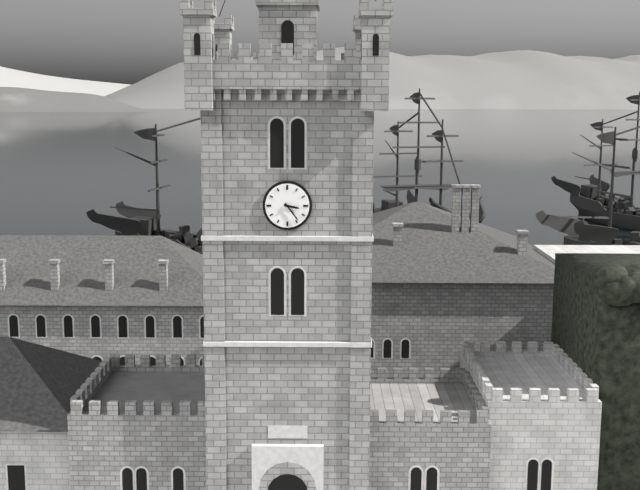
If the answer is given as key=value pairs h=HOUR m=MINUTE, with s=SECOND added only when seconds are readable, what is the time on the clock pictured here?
h=3 m=24
